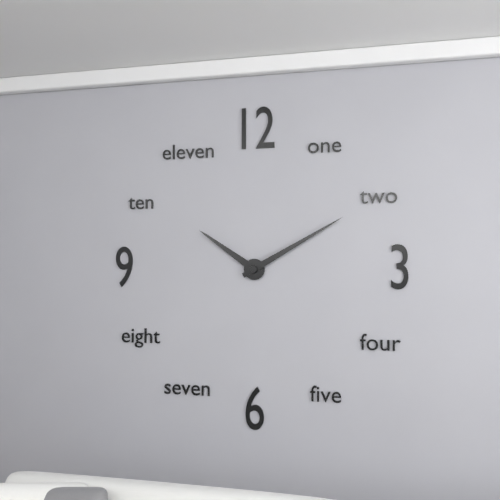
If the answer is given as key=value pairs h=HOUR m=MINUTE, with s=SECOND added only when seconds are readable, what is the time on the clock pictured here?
h=10 m=10
